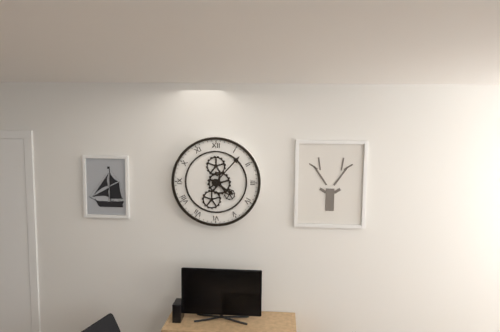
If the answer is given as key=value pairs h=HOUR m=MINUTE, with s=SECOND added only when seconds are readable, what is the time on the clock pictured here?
h=4 m=7
